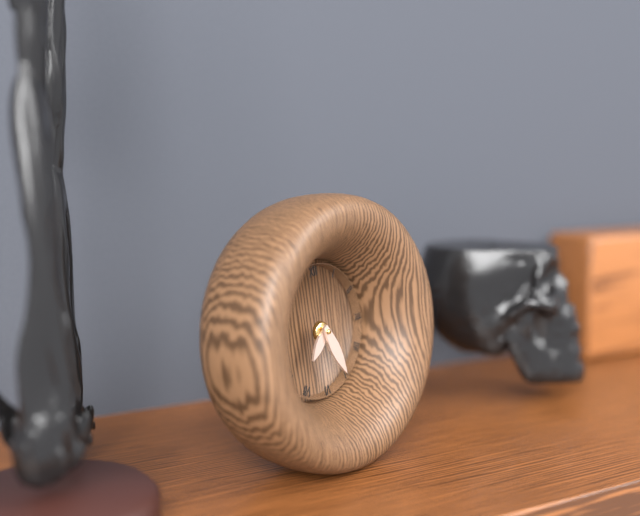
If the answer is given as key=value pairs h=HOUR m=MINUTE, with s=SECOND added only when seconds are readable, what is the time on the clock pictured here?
h=7 m=26
